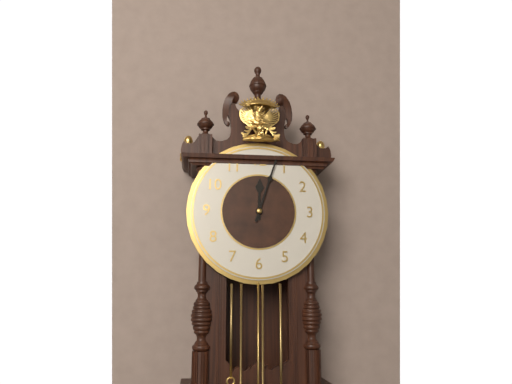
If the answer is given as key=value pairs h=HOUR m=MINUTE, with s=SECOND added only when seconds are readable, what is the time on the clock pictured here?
h=12 m=3
